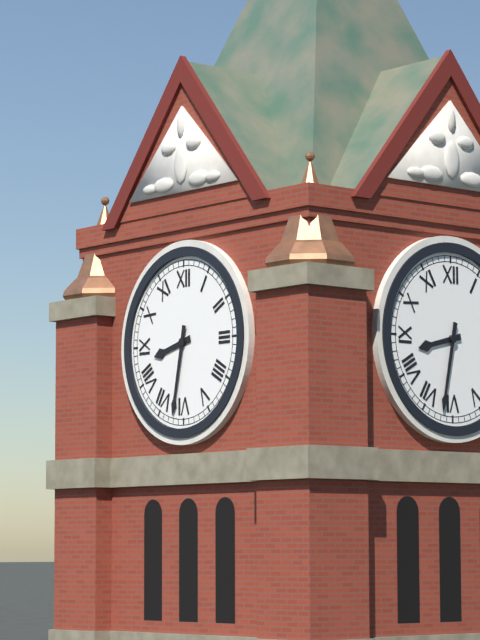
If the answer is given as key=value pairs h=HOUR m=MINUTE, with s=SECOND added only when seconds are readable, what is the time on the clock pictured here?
h=8 m=32
